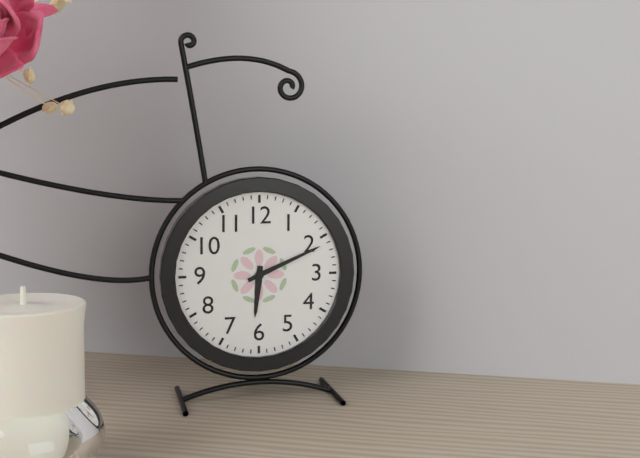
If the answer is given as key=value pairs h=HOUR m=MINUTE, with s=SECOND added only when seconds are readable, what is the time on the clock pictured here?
h=6 m=11
